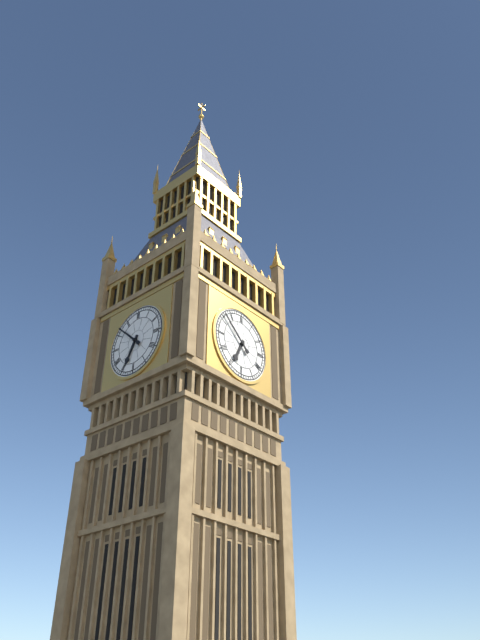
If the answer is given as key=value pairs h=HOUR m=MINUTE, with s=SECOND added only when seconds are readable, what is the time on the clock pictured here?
h=6 m=52
